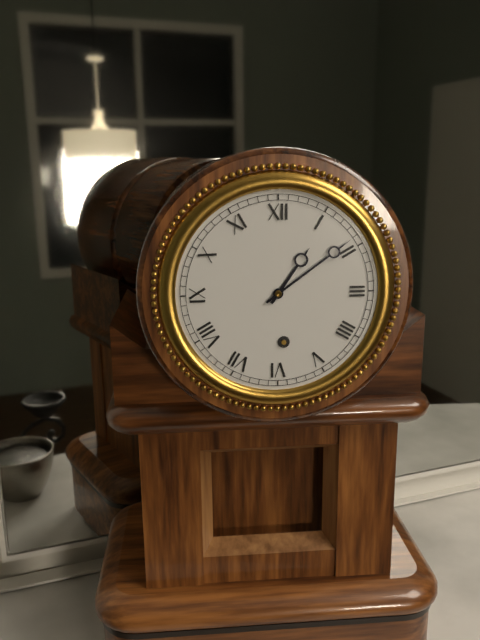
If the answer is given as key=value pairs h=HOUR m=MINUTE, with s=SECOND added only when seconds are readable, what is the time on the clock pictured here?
h=1 m=9
